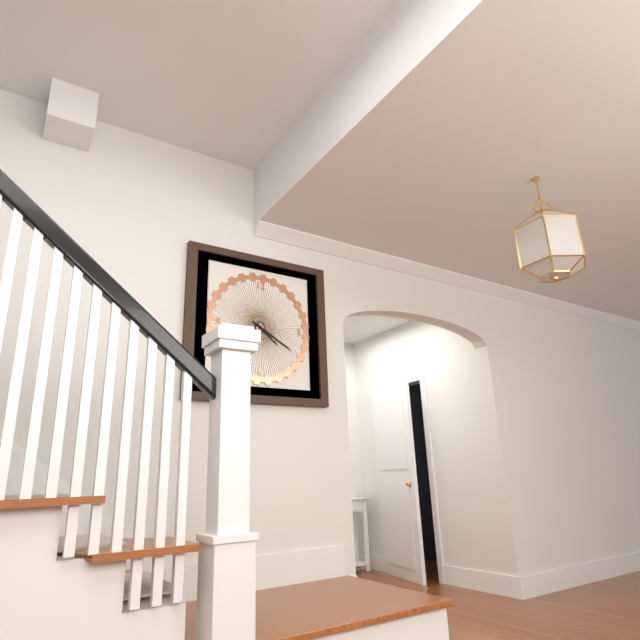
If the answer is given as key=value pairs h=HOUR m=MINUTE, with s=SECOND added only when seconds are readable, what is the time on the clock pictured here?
h=4 m=20
